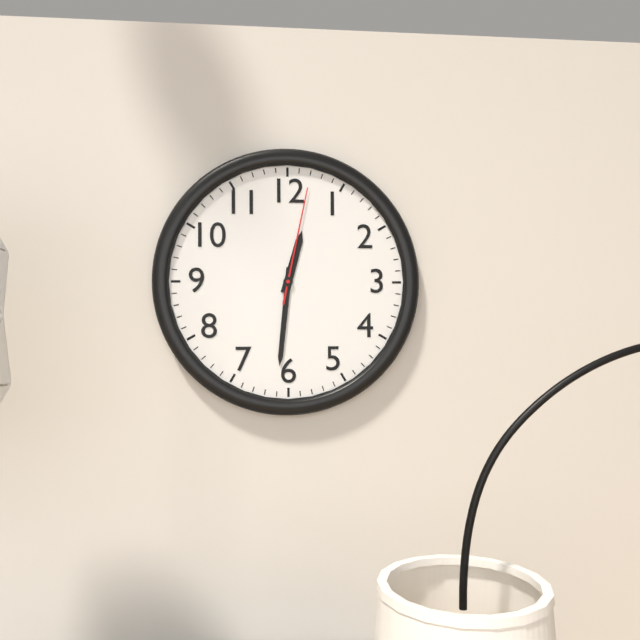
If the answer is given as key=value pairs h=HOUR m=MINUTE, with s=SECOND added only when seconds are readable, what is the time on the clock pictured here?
h=12 m=31 s=2
